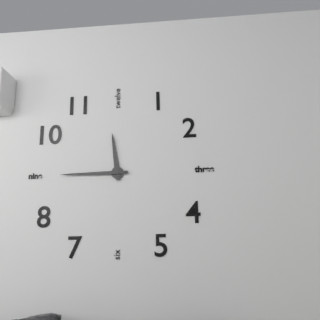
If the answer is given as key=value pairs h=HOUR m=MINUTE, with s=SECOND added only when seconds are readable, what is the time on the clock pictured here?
h=11 m=45
